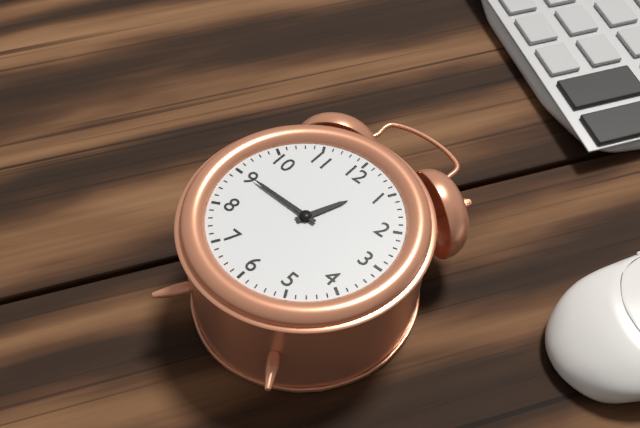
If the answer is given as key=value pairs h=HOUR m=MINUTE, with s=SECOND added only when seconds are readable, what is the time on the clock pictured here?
h=12 m=45
